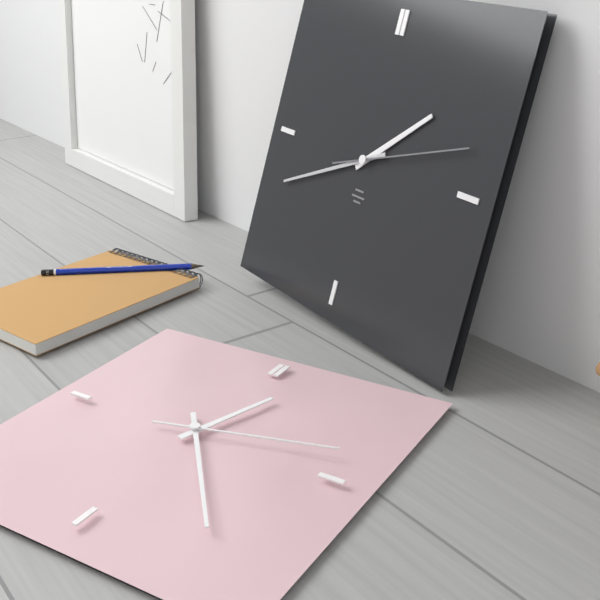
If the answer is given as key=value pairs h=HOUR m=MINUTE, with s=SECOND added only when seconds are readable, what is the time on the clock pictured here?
h=1 m=41 s=12
